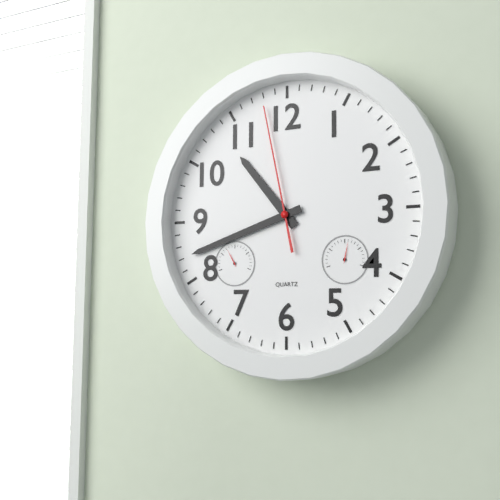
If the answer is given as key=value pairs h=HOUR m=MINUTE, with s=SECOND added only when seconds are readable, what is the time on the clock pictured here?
h=10 m=42 s=58
